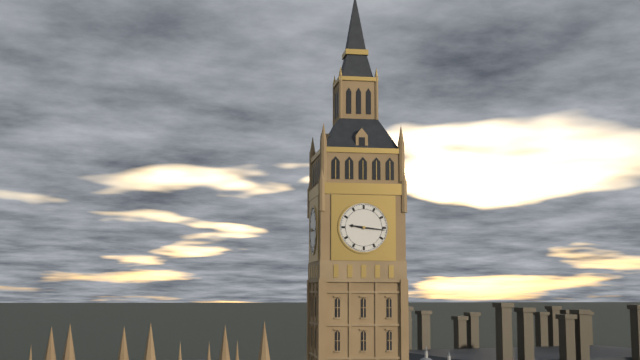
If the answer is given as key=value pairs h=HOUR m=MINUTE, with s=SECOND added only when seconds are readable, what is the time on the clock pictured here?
h=9 m=16
